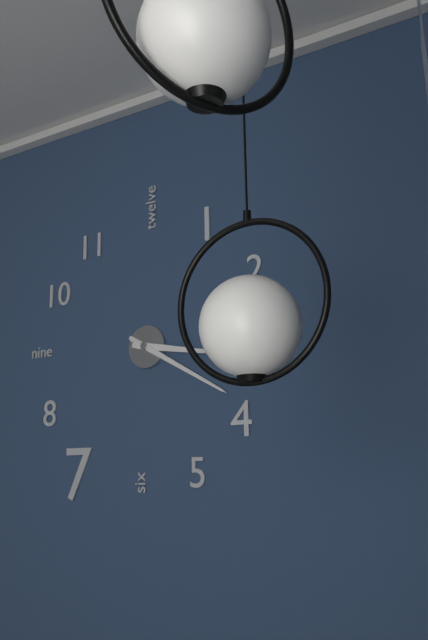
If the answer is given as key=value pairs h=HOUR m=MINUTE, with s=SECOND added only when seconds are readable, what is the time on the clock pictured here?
h=3 m=20
